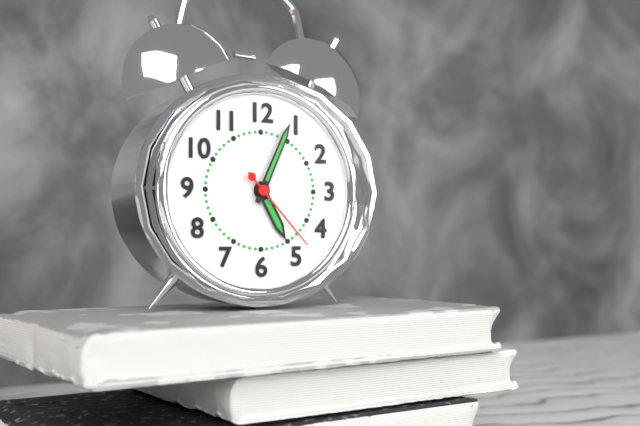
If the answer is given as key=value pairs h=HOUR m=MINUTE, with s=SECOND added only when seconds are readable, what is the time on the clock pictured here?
h=5 m=4 s=23
